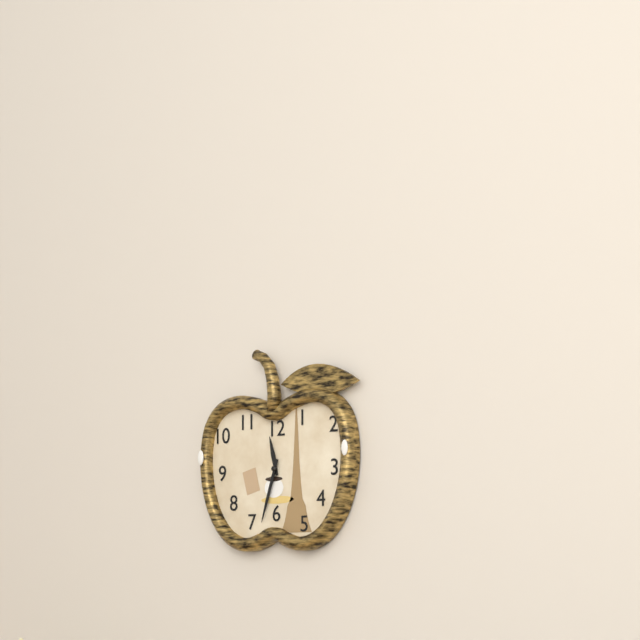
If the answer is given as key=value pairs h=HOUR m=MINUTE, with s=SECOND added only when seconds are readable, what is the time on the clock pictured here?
h=11 m=33
